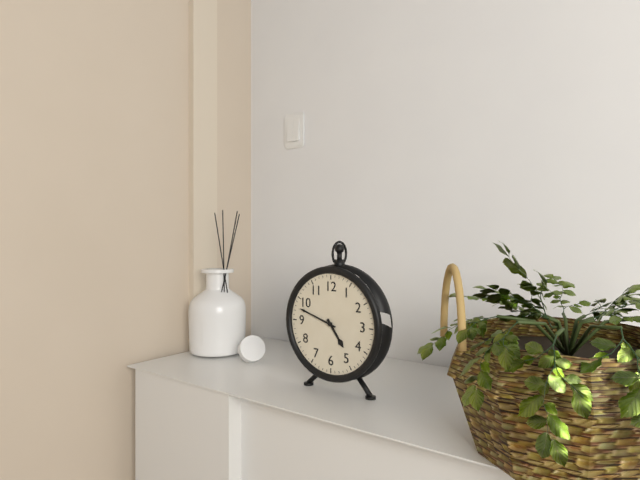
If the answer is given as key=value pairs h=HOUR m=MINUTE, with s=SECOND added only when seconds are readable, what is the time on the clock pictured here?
h=4 m=48
